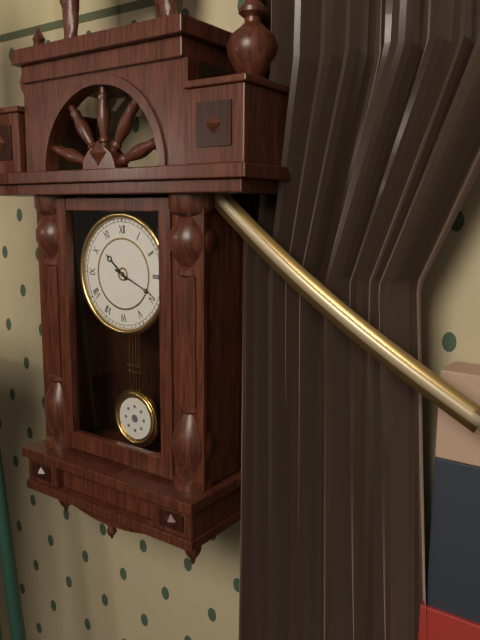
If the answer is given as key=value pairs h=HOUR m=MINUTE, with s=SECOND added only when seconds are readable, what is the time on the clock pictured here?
h=10 m=19
